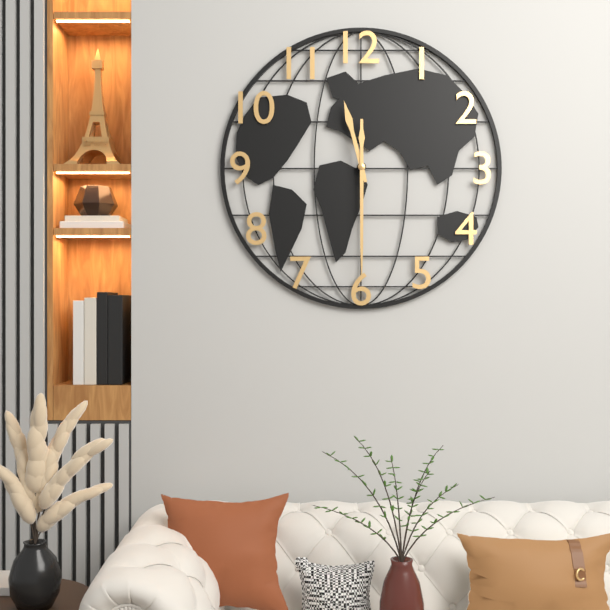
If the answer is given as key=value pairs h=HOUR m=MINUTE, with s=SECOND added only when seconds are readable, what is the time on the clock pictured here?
h=11 m=30
